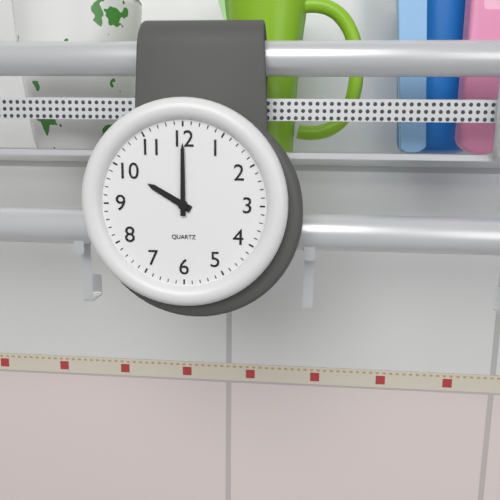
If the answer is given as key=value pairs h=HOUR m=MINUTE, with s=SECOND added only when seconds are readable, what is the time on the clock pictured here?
h=10 m=0
